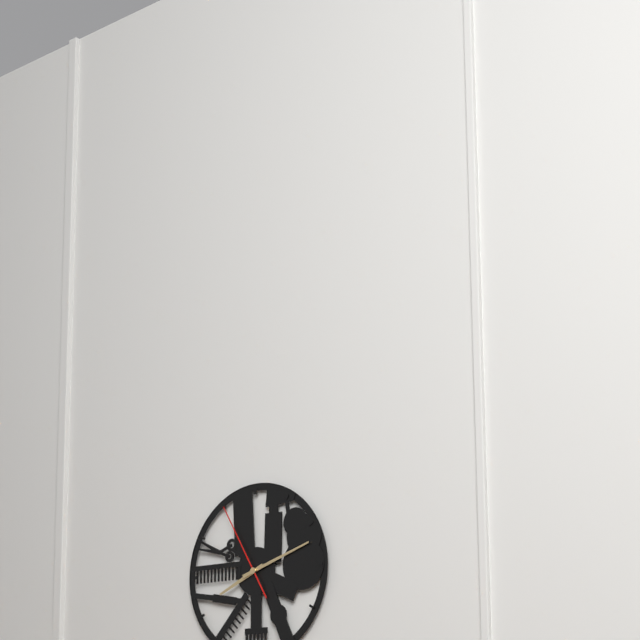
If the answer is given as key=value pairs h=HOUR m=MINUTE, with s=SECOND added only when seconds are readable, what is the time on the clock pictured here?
h=8 m=12 s=55
